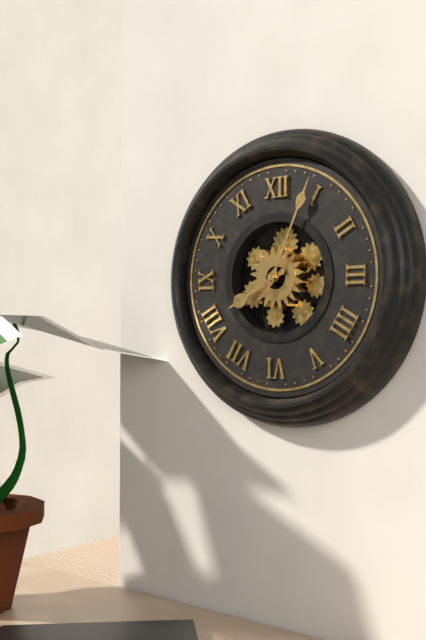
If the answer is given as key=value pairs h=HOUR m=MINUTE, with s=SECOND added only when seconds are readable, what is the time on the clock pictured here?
h=8 m=4
